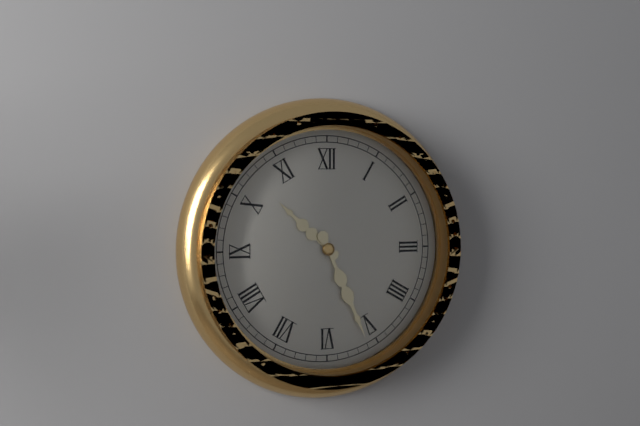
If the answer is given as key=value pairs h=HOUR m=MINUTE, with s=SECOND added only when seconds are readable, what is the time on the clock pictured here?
h=10 m=26
